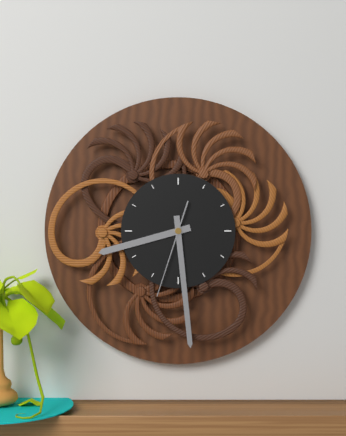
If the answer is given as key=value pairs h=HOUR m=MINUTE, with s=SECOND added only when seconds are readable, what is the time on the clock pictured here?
h=8 m=29 s=33
